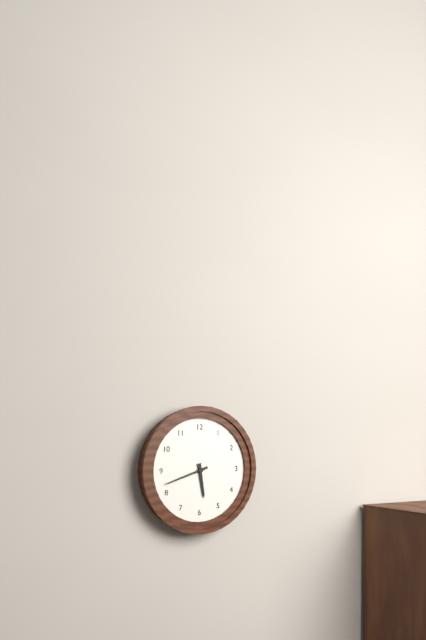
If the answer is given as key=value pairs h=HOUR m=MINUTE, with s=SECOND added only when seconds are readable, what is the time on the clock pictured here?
h=5 m=42
